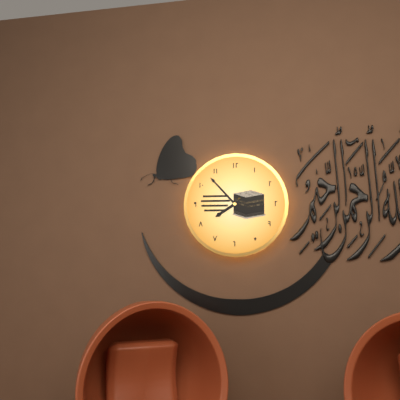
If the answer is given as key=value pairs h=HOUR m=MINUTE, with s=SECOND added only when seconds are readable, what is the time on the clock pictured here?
h=7 m=53
